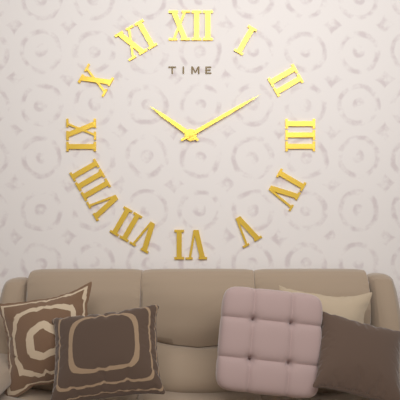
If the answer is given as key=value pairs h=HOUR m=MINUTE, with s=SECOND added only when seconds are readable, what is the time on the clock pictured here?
h=10 m=10
